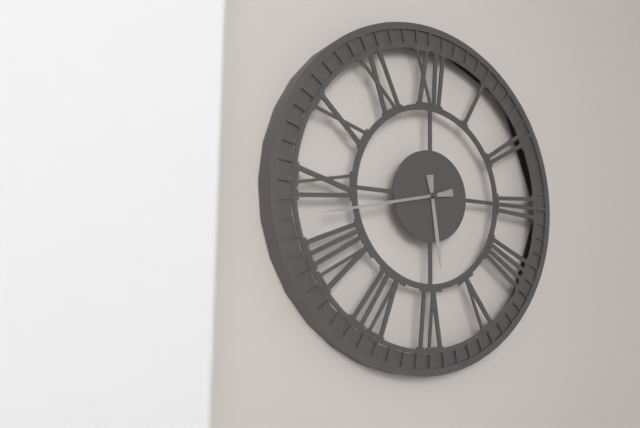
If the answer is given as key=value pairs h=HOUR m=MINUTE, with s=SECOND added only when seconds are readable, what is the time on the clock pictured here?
h=5 m=43
